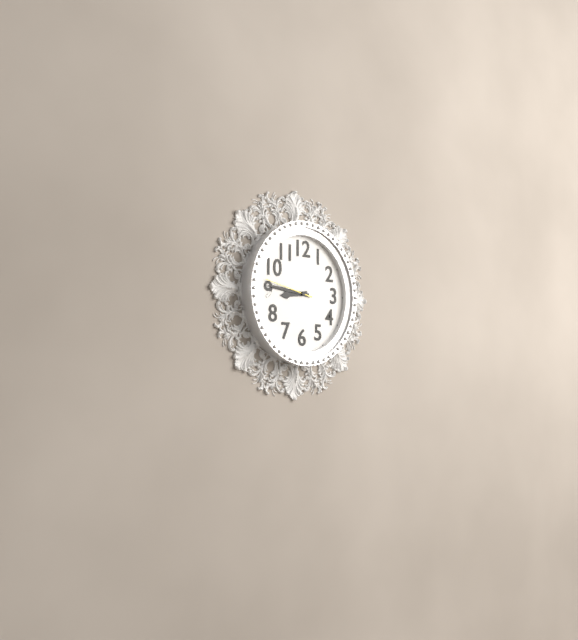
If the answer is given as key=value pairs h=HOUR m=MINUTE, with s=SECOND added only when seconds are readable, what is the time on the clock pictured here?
h=8 m=46
